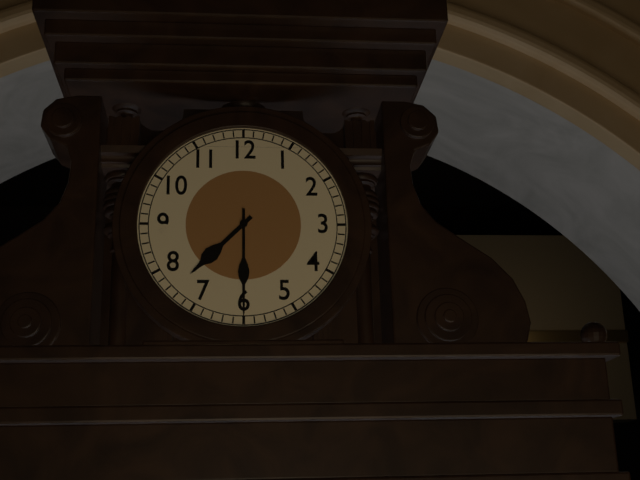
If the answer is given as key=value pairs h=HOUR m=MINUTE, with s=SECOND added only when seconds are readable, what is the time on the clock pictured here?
h=7 m=30
